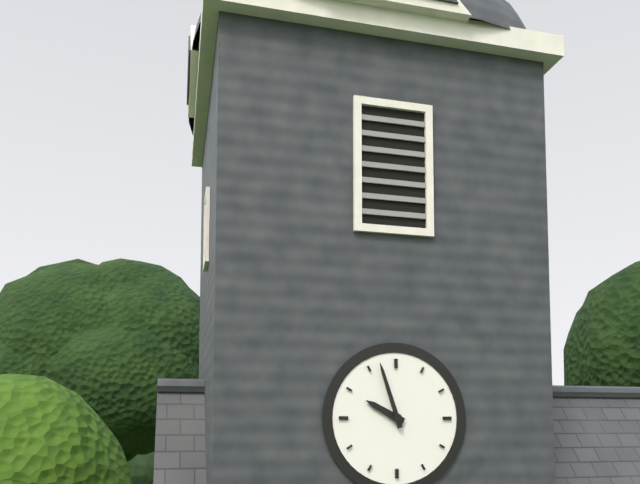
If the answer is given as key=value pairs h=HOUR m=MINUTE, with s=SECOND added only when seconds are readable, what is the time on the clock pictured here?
h=9 m=57
